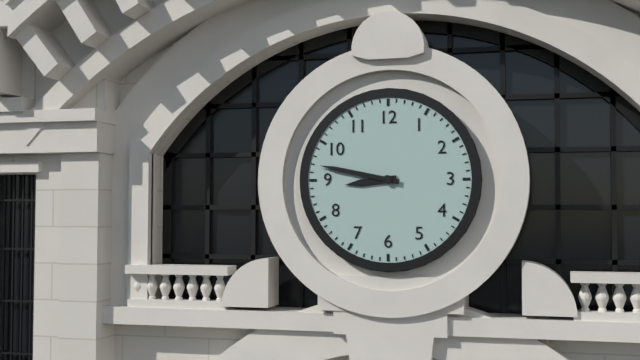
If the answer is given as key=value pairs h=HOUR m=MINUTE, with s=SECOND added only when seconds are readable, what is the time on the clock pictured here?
h=8 m=47
